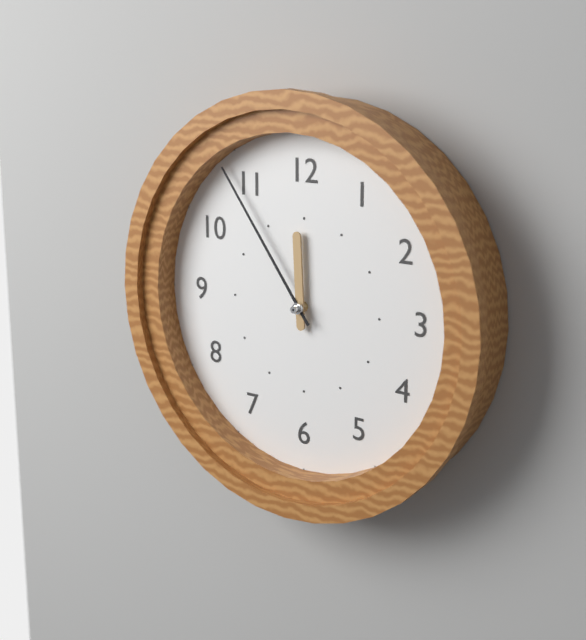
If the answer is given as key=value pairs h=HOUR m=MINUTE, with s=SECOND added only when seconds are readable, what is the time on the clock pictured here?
h=11 m=54
